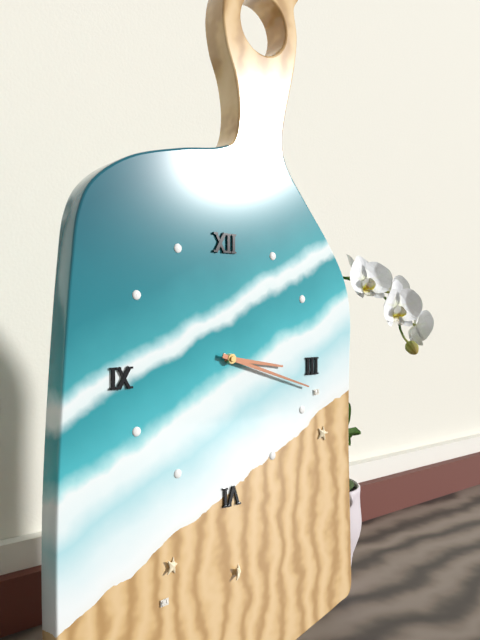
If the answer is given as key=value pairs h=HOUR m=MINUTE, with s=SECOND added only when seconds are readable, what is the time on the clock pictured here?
h=3 m=18
